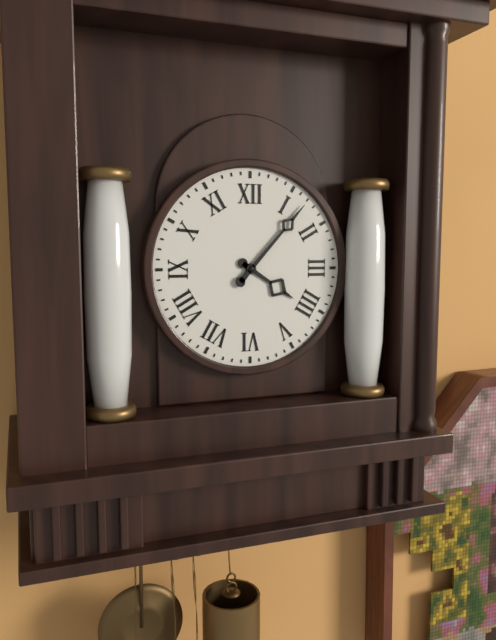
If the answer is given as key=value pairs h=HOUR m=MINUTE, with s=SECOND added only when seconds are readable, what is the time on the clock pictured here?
h=4 m=7
